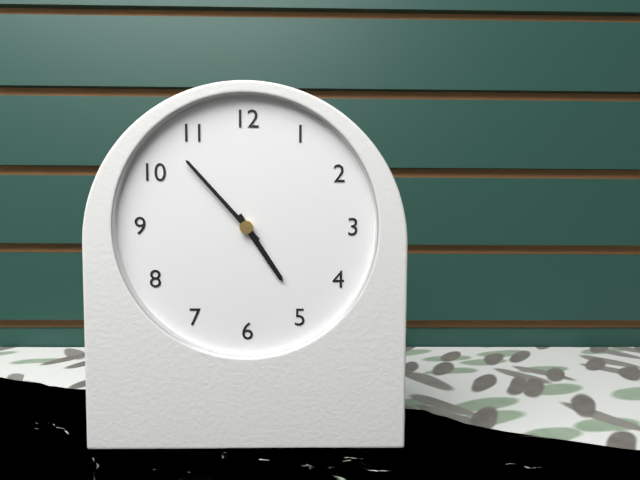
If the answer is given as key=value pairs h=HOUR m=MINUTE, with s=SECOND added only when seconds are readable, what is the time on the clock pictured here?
h=4 m=53
